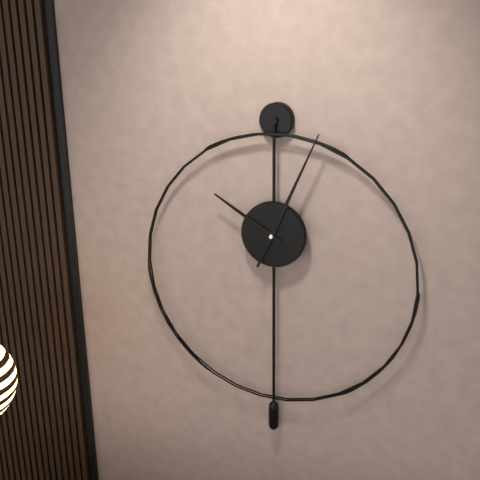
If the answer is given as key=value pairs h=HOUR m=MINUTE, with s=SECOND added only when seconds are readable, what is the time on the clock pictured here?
h=10 m=4
